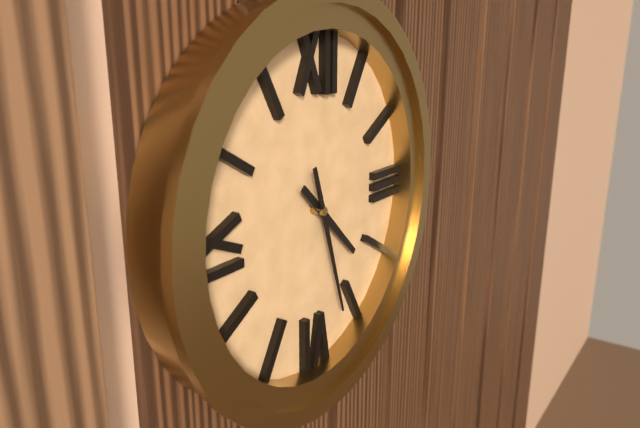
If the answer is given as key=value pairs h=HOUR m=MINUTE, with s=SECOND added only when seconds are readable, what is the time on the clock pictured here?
h=4 m=27
